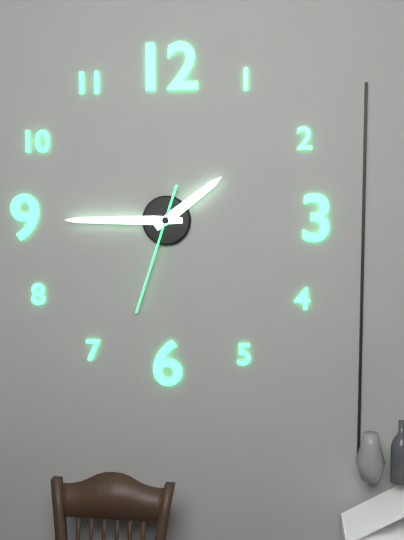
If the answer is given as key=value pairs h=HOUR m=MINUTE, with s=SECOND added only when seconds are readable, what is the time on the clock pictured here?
h=1 m=45 s=33
